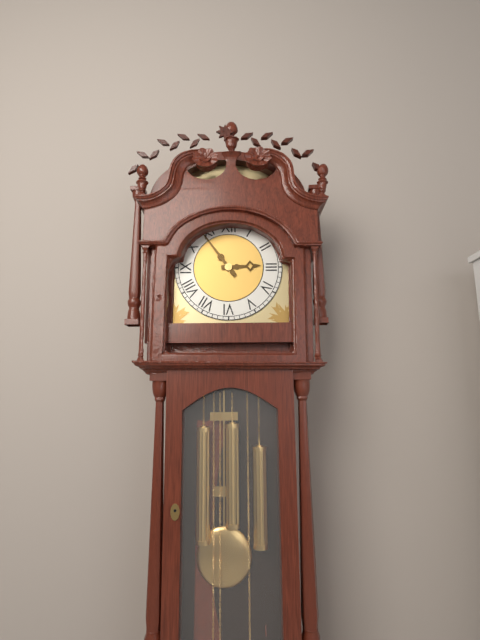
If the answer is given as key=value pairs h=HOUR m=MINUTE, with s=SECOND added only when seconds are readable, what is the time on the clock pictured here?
h=2 m=54
